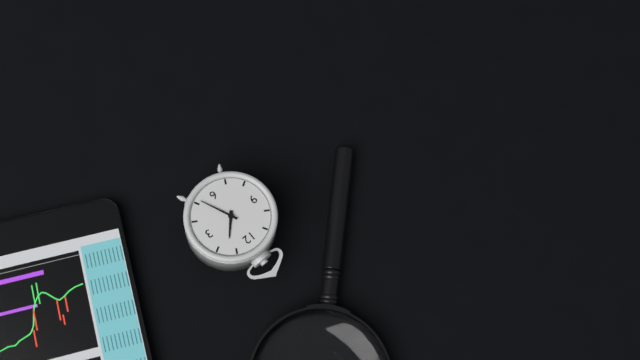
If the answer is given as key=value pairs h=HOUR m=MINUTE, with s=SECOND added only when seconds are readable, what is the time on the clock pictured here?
h=1 m=26
